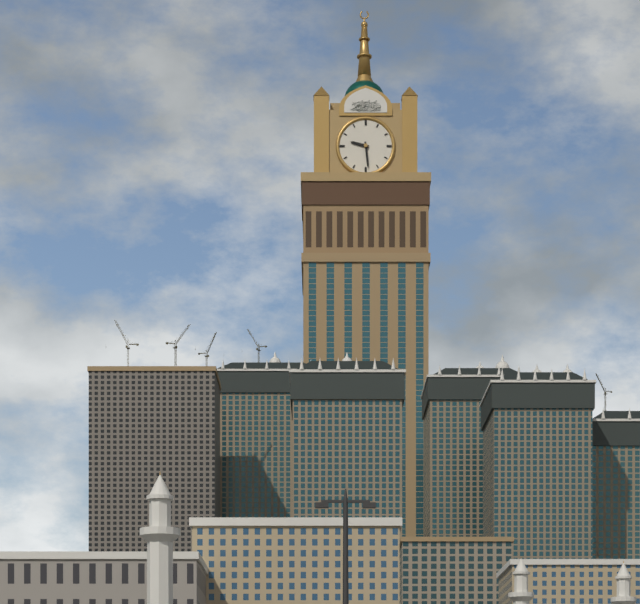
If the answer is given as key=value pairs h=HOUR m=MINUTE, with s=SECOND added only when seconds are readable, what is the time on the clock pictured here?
h=9 m=29
